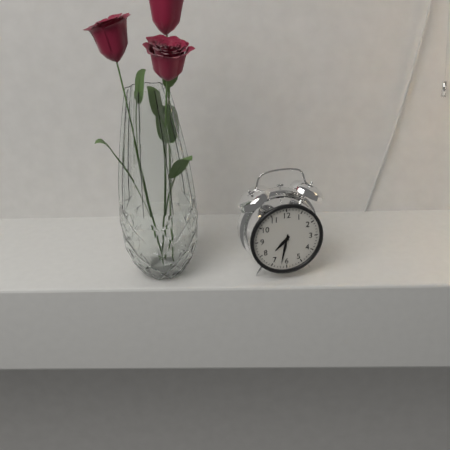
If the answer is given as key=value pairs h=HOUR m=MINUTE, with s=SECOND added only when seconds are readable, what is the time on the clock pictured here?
h=7 m=32
